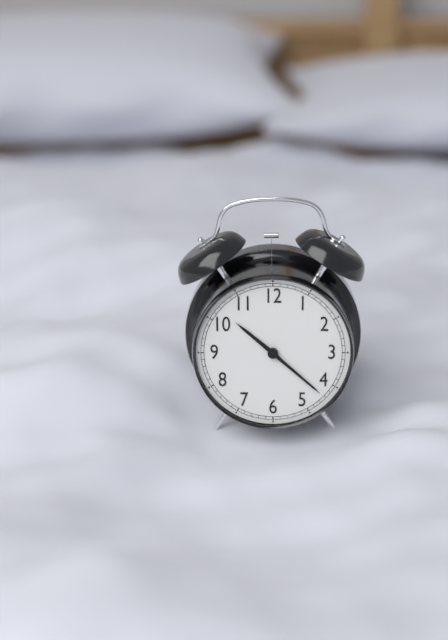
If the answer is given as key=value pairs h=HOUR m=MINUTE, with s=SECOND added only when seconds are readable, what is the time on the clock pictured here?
h=10 m=22
